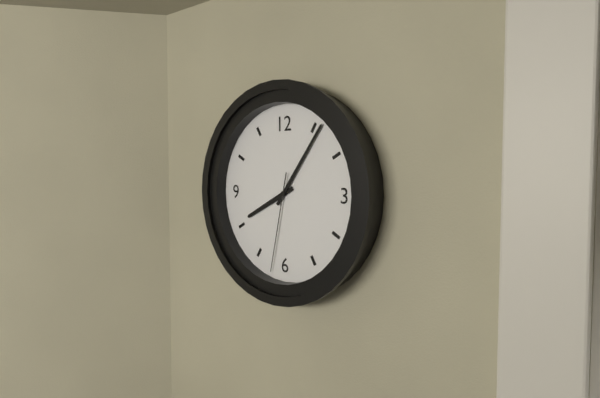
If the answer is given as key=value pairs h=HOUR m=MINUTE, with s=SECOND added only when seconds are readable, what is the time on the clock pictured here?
h=8 m=6 s=32
